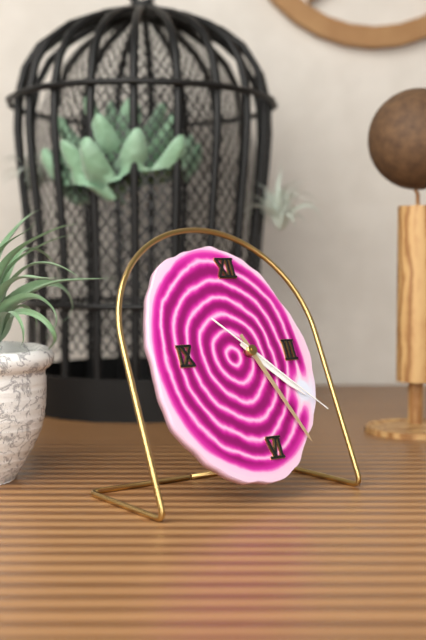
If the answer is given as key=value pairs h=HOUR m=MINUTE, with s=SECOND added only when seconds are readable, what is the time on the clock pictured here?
h=4 m=26 s=22
